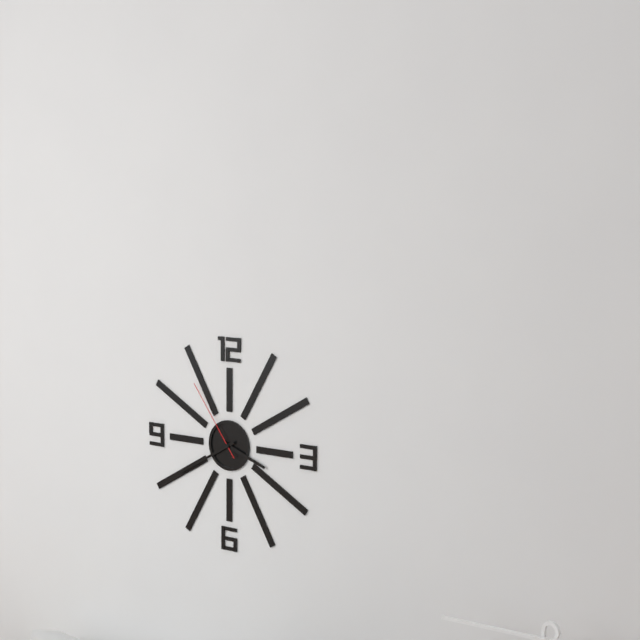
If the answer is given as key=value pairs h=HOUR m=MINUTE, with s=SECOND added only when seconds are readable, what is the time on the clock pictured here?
h=3 m=40 s=54
